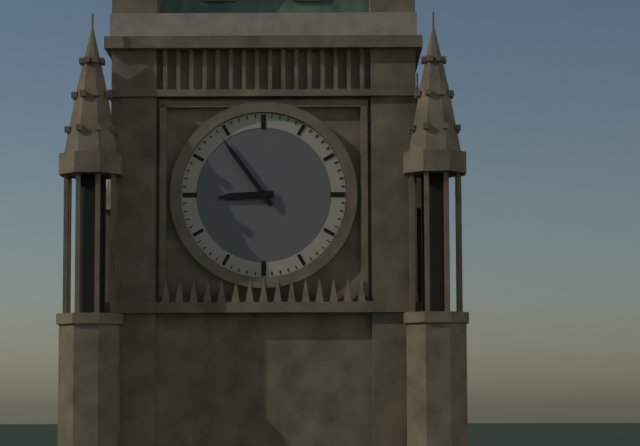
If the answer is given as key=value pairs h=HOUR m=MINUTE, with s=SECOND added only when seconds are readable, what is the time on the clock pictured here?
h=8 m=54
